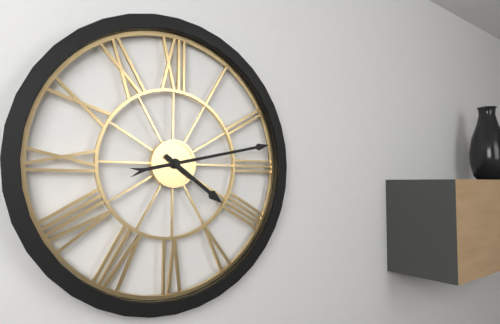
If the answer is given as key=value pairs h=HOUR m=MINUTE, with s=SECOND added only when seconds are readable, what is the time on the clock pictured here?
h=4 m=13
